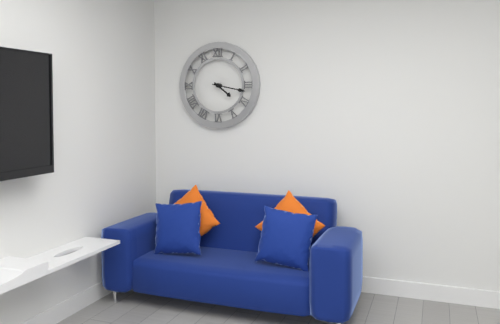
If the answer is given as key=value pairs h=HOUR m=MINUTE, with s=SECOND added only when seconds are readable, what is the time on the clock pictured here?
h=4 m=17
